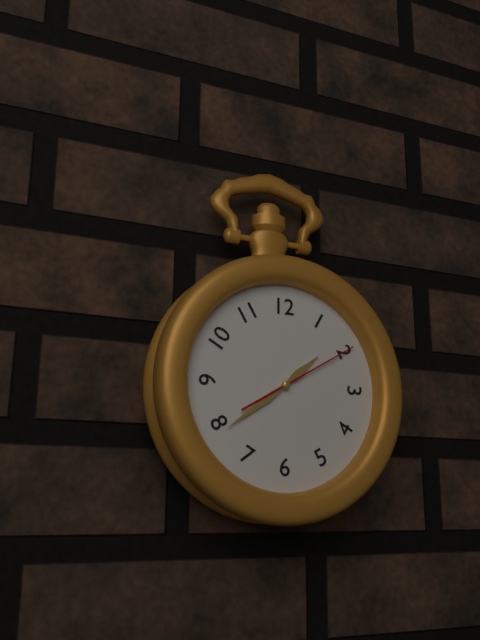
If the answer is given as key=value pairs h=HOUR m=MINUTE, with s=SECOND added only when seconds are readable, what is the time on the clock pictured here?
h=1 m=39 s=10
